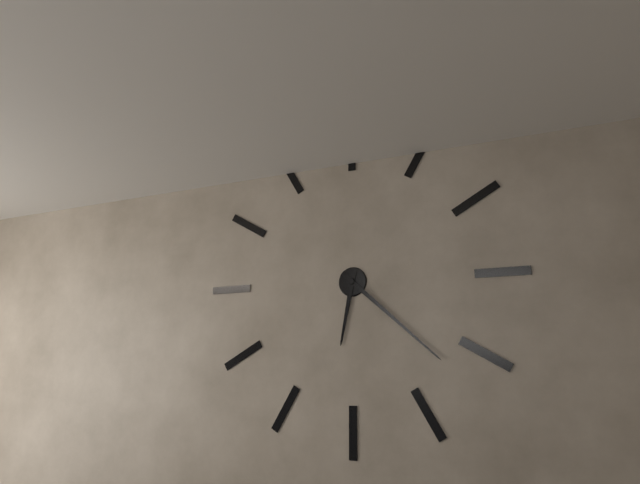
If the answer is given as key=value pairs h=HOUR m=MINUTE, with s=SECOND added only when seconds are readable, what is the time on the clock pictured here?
h=6 m=22
